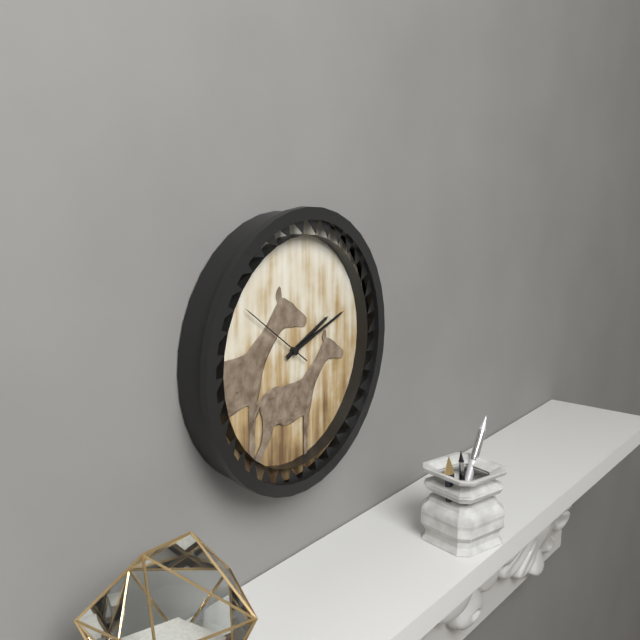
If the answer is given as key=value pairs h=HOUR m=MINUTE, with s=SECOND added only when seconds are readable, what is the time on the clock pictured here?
h=2 m=12 s=51
